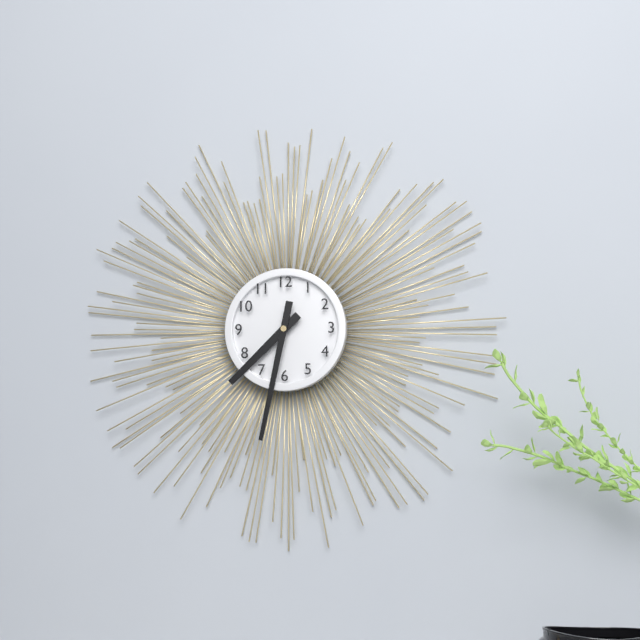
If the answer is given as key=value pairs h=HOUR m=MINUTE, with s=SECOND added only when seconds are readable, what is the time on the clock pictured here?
h=7 m=32
